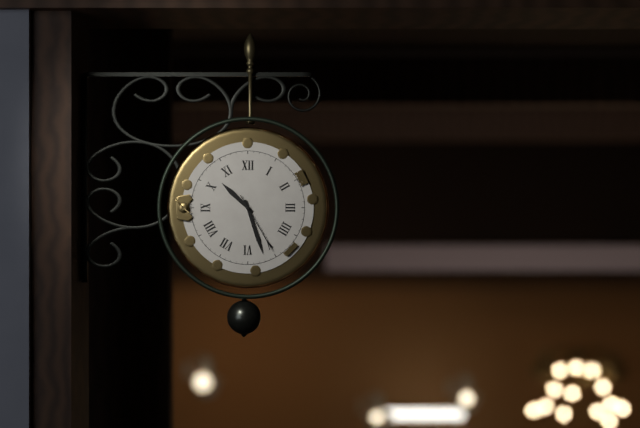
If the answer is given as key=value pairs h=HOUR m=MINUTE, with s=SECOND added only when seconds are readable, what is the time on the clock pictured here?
h=10 m=27 s=25
